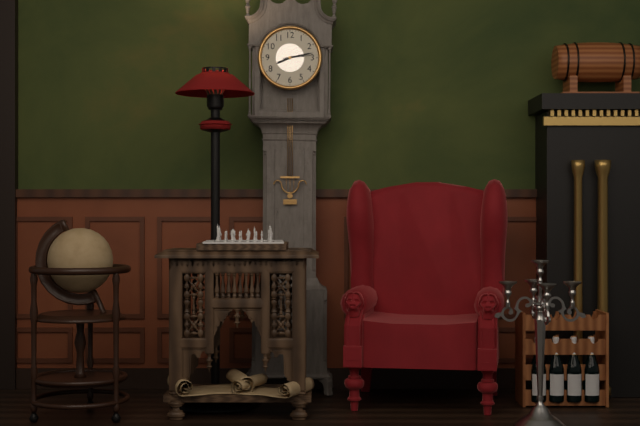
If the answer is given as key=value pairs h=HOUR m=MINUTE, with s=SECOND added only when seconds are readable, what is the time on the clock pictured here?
h=8 m=13
